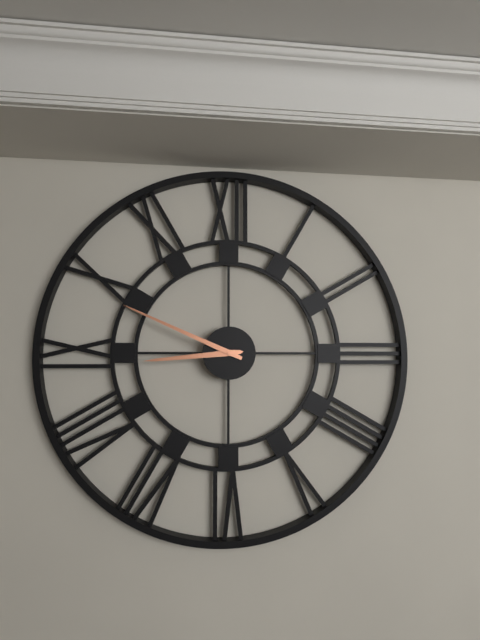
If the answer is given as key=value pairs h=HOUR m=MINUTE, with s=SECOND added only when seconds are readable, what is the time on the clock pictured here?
h=8 m=49
